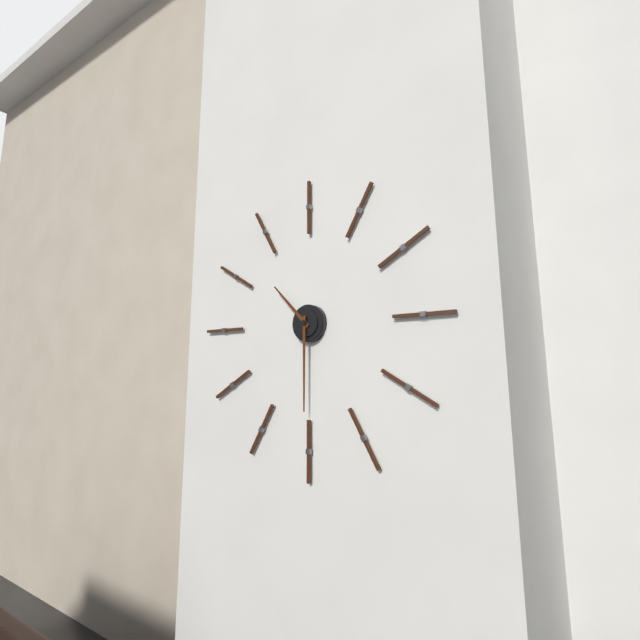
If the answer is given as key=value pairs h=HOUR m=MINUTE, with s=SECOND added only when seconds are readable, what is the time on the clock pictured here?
h=10 m=30
